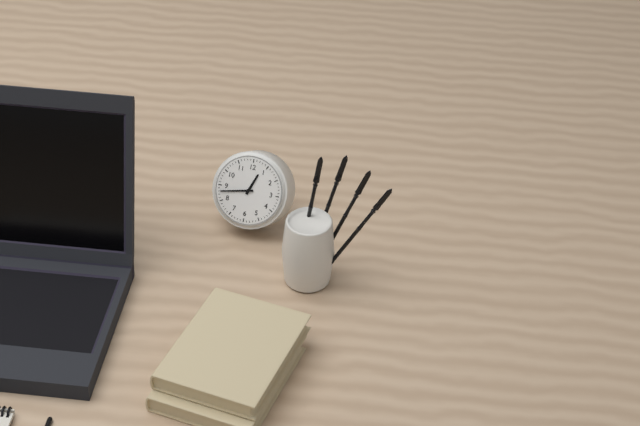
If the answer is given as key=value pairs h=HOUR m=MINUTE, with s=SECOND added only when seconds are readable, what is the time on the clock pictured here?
h=12 m=43
